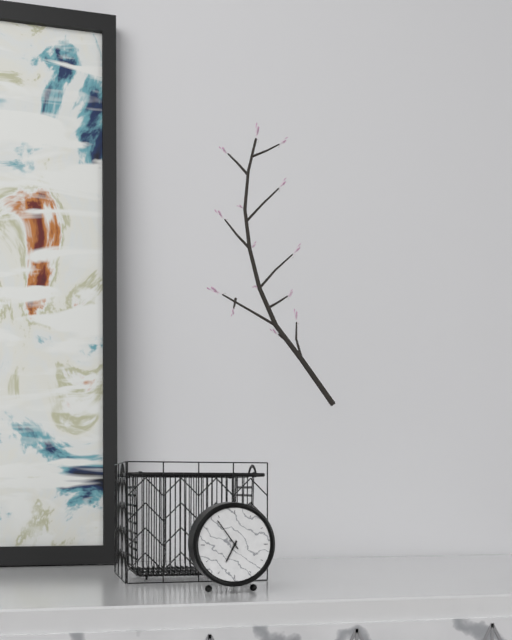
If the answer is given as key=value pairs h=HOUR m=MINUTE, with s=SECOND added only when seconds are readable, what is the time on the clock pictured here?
h=6 m=54
